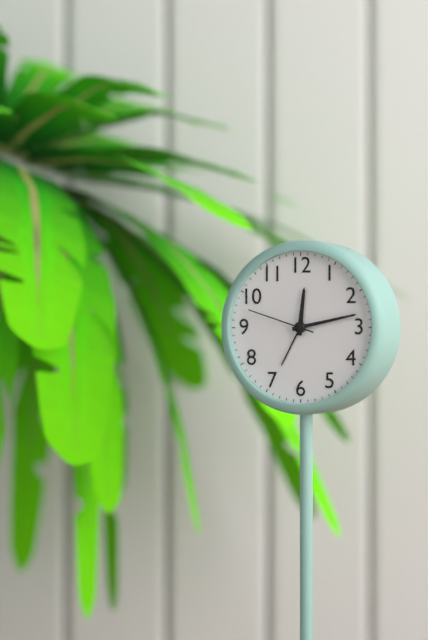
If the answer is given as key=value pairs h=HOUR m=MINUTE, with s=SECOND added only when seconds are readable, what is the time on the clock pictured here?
h=12 m=13 s=48
